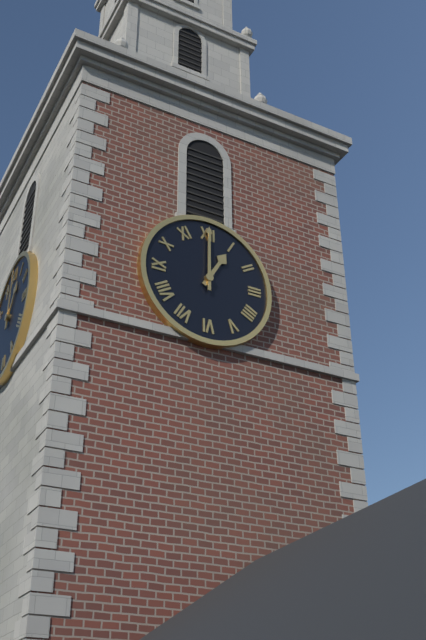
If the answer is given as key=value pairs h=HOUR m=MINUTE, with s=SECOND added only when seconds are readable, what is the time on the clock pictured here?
h=1 m=0
